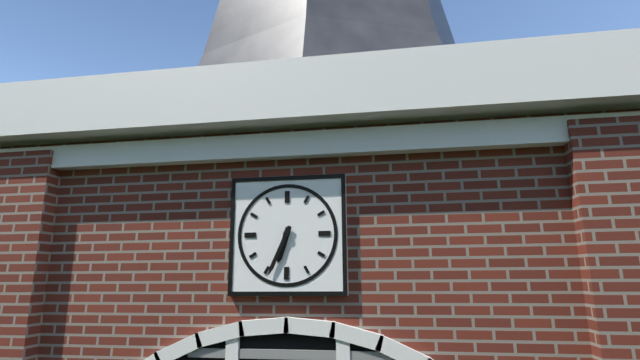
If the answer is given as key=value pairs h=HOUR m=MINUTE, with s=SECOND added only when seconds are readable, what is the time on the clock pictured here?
h=6 m=34
